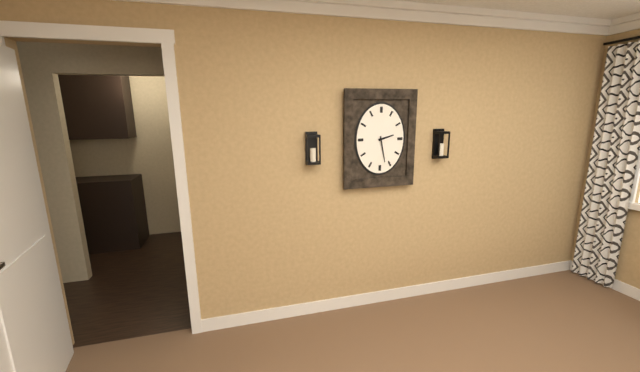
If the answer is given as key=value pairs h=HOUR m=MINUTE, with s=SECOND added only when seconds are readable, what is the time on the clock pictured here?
h=2 m=28
